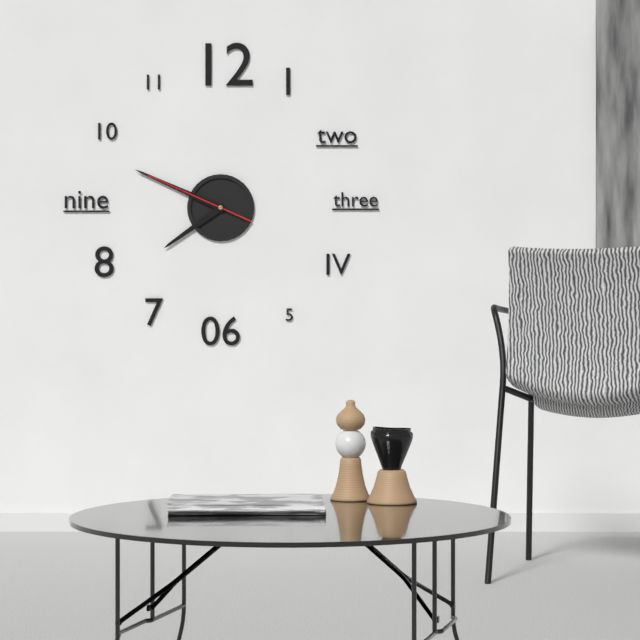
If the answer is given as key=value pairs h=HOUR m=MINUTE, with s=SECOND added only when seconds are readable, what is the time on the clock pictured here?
h=7 m=49 s=49
